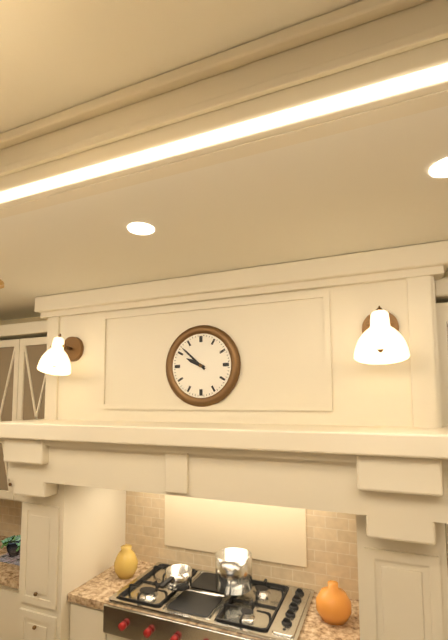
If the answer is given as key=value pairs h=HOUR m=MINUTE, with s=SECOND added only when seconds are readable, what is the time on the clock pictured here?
h=9 m=52
